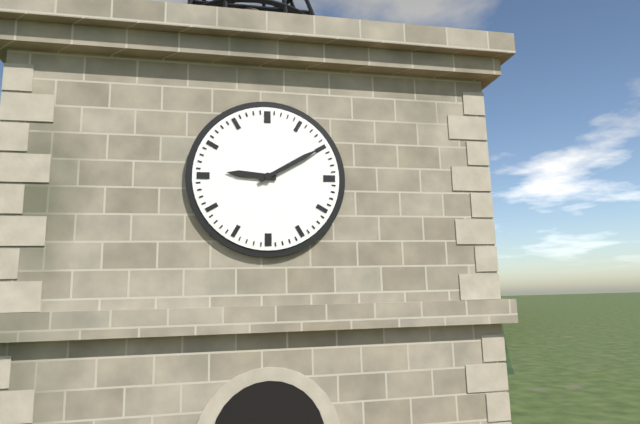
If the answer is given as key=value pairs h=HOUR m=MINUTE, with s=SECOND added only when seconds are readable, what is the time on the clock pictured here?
h=9 m=10
